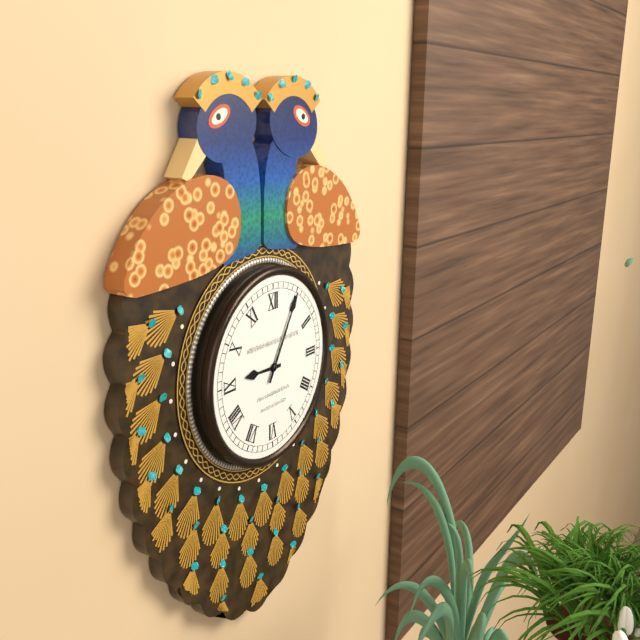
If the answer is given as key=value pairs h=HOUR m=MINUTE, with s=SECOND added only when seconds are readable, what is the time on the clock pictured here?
h=9 m=5
